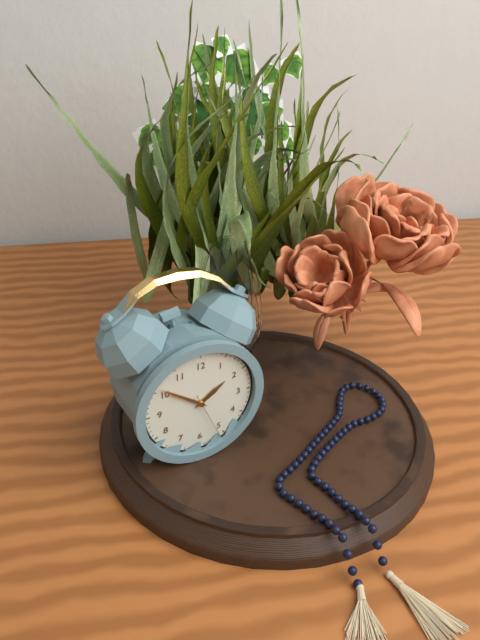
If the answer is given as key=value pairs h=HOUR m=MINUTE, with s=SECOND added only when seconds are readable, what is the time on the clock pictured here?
h=1 m=51 s=26
